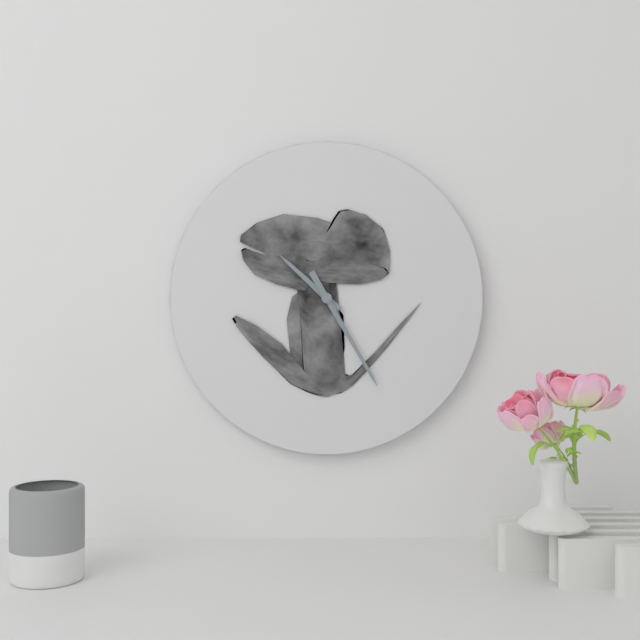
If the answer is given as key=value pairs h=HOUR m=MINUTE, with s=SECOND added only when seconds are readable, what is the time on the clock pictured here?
h=10 m=25
